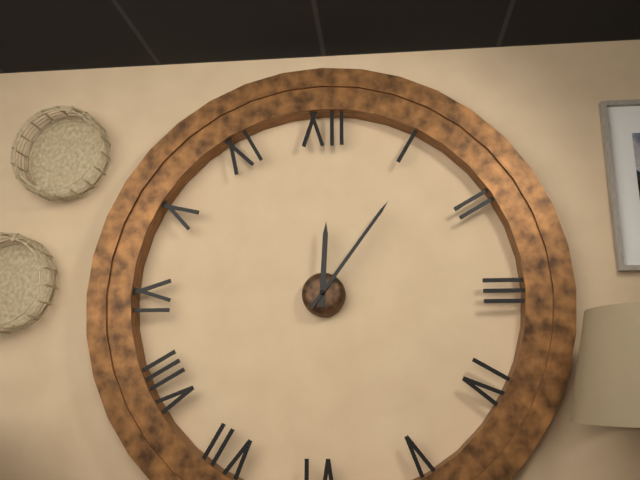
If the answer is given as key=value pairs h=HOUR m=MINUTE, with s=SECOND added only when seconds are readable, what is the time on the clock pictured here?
h=12 m=6
